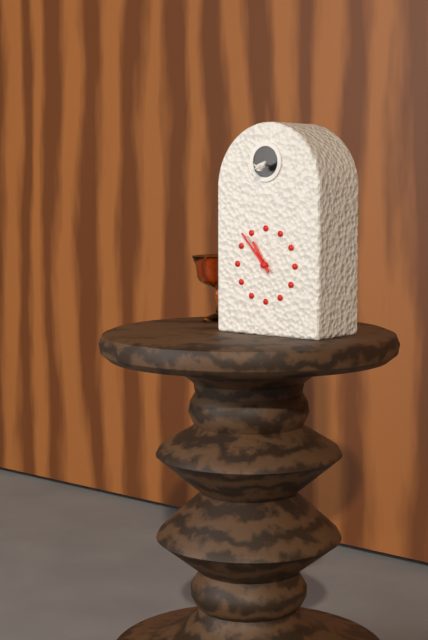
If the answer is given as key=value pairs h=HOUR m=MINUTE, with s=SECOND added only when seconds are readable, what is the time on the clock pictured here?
h=10 m=53
